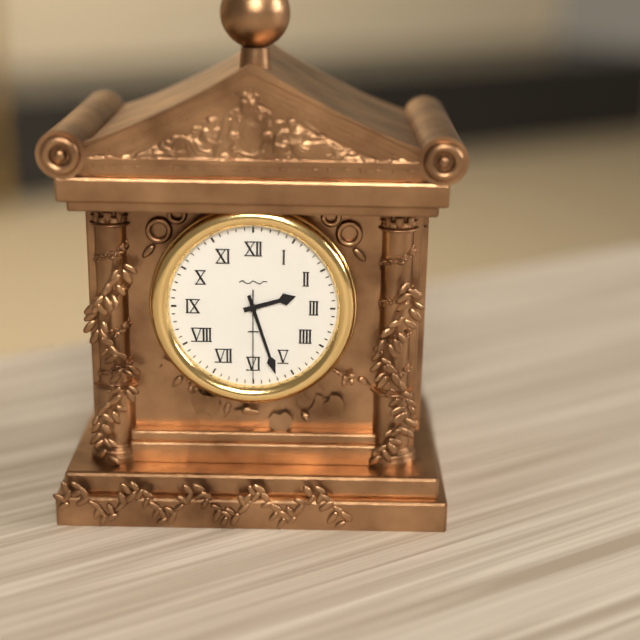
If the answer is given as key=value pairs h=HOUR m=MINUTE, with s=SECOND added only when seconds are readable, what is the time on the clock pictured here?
h=2 m=27 s=30
